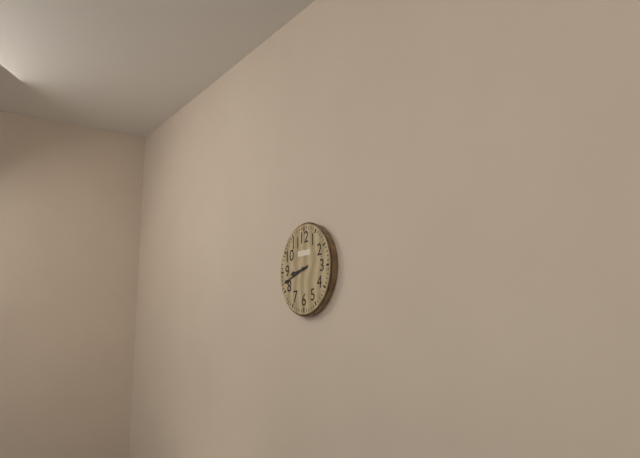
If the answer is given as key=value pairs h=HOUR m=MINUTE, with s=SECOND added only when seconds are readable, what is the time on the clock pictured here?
h=8 m=42
